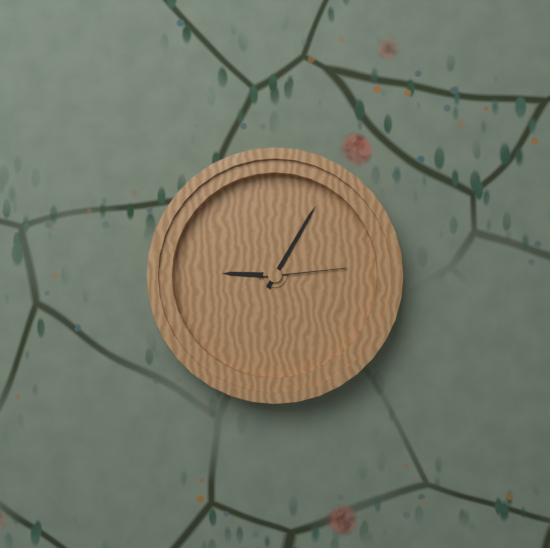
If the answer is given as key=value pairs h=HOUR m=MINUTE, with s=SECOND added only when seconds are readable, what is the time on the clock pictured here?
h=9 m=5 s=14
